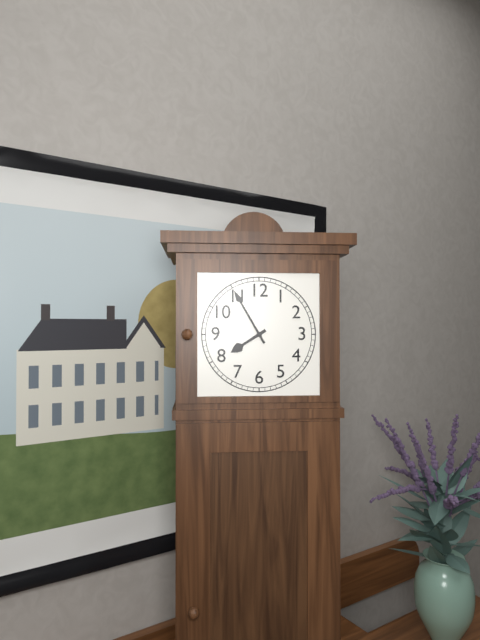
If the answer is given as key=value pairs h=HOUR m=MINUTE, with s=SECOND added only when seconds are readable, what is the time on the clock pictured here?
h=7 m=55
